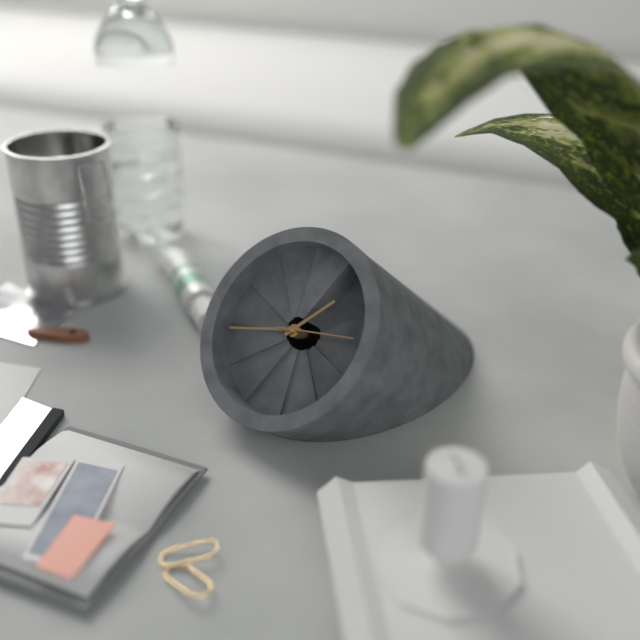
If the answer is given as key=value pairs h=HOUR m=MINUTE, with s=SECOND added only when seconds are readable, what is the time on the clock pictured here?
h=12 m=39 s=10
